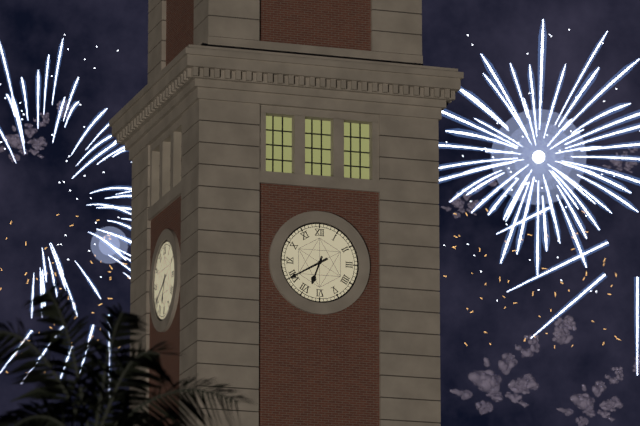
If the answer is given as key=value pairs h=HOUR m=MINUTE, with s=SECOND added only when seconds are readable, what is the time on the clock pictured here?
h=6 m=40
